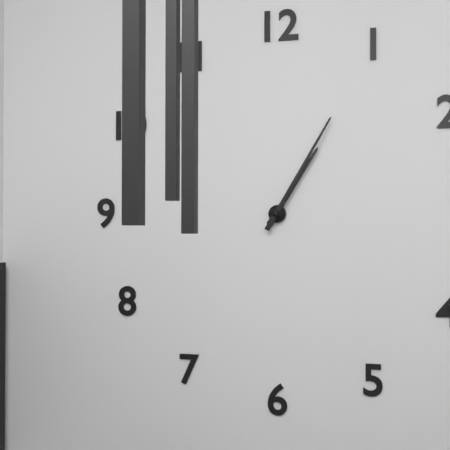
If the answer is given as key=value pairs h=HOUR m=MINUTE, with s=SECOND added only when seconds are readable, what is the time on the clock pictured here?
h=1 m=5
